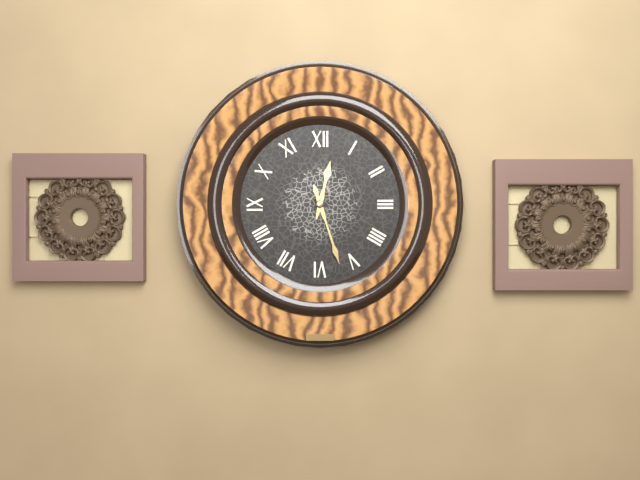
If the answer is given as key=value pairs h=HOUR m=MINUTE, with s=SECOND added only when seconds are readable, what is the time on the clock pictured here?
h=12 m=27
